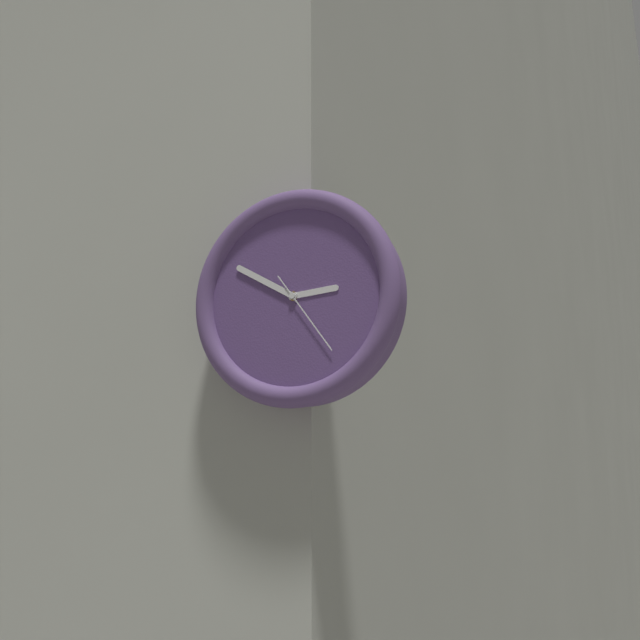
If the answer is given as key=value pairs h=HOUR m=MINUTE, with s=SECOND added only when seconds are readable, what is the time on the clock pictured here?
h=2 m=50 s=24
